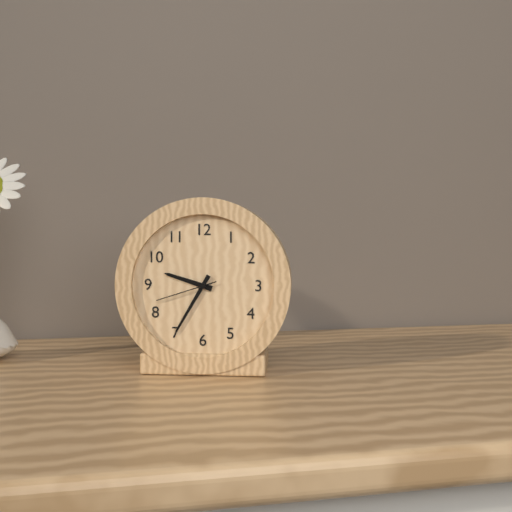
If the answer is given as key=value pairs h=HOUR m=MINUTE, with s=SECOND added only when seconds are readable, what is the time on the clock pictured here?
h=9 m=35 s=42
